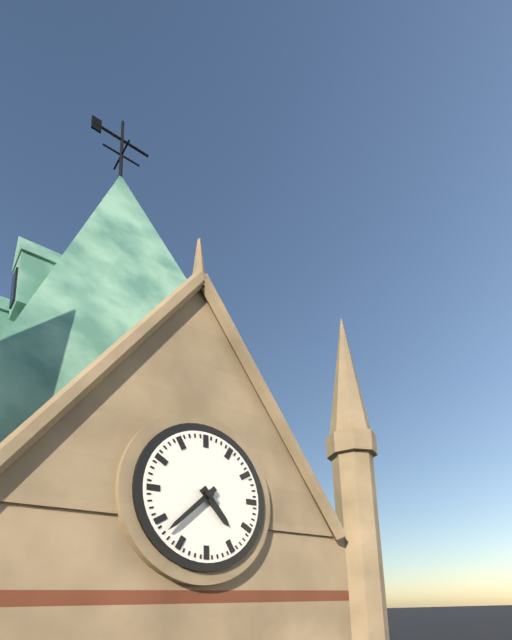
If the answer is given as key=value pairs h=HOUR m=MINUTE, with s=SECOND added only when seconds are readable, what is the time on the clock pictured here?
h=4 m=38
